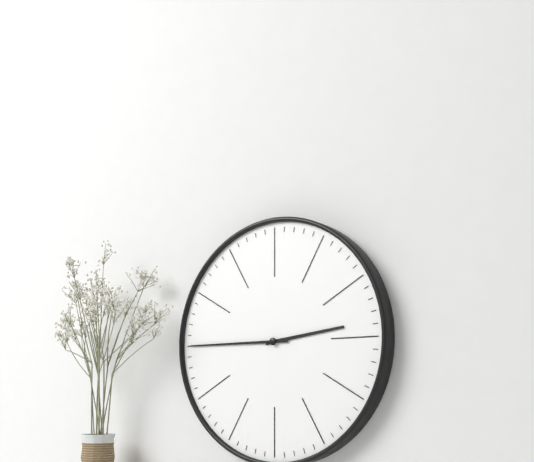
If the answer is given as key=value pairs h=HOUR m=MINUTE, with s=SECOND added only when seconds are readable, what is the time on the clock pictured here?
h=2 m=45
